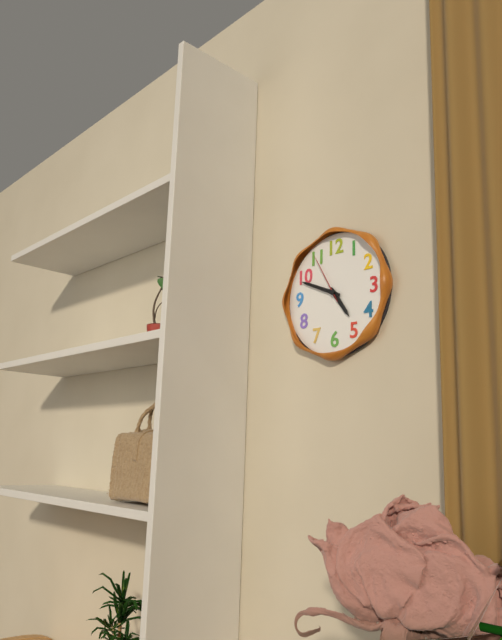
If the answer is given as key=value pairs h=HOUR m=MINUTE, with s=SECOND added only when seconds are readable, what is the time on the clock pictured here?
h=4 m=49 s=55
